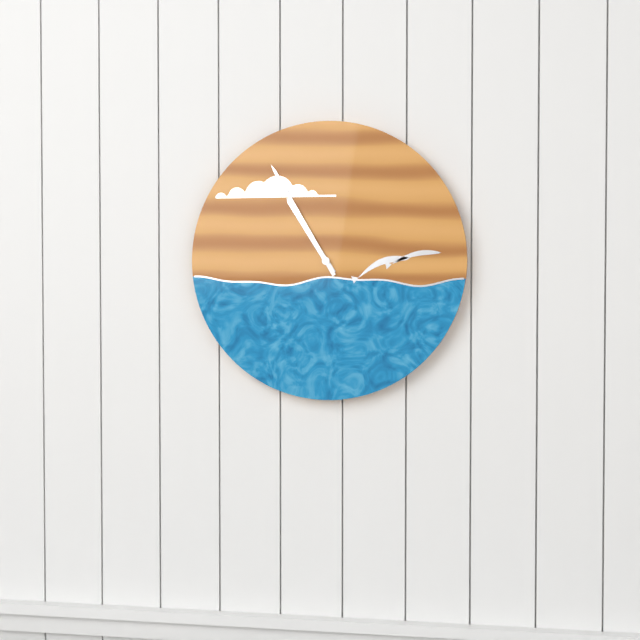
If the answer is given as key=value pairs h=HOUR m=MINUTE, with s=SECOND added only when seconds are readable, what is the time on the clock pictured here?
h=10 m=55
